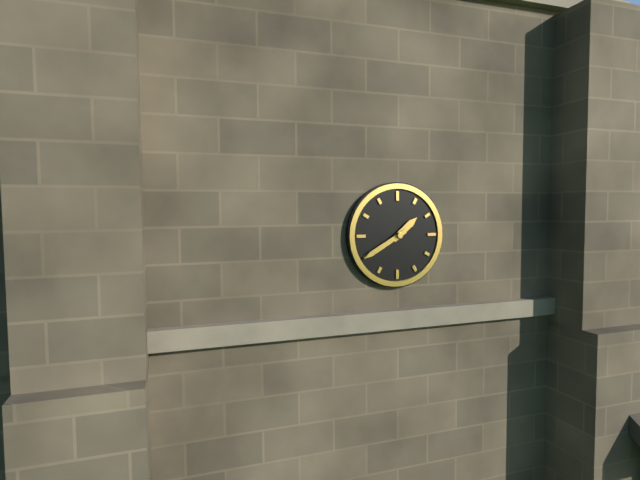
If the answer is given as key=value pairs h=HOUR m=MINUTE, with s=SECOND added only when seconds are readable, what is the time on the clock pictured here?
h=1 m=40
